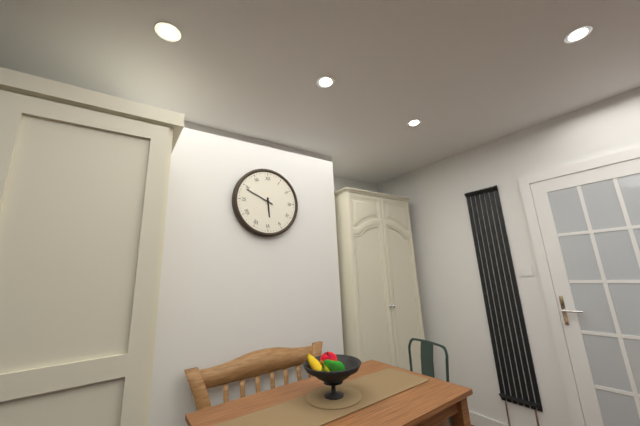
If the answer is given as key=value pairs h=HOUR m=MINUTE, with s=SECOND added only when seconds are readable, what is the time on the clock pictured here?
h=5 m=49
